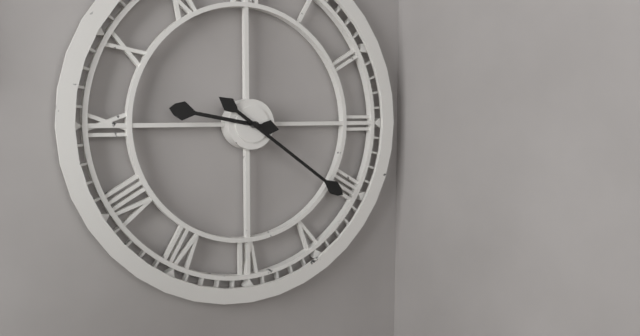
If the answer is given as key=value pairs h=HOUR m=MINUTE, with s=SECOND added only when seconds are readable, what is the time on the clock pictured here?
h=9 m=21
